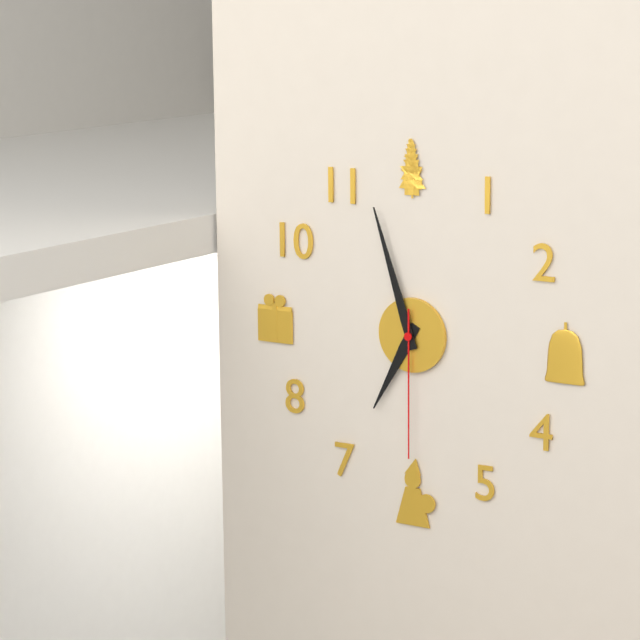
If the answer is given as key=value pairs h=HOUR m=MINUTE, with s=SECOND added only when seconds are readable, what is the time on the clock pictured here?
h=6 m=57 s=30
